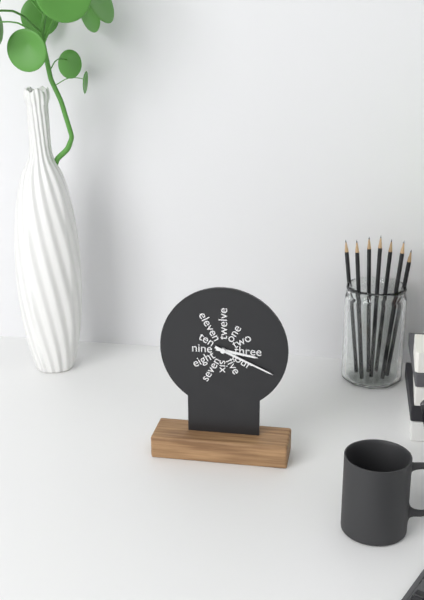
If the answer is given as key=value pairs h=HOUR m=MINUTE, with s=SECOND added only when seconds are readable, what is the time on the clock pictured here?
h=3 m=19
